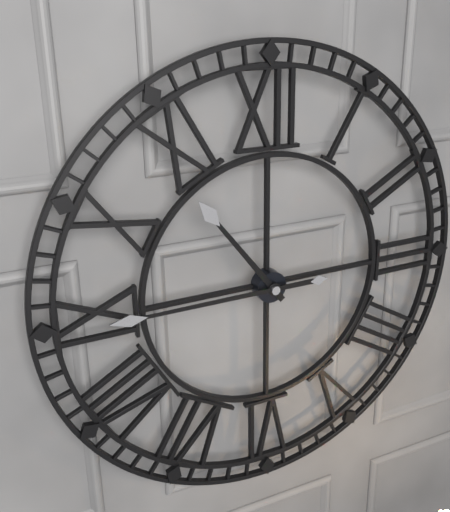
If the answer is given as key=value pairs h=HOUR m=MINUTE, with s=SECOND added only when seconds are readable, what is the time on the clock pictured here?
h=10 m=45
